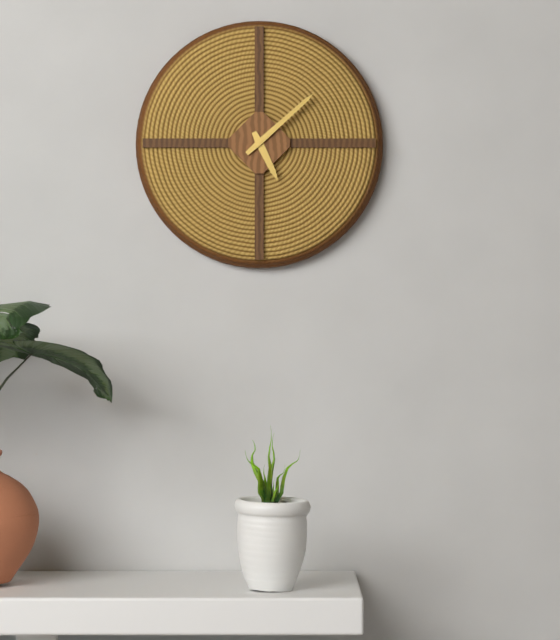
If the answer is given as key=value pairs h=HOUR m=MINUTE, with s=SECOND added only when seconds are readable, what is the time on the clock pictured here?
h=5 m=8
